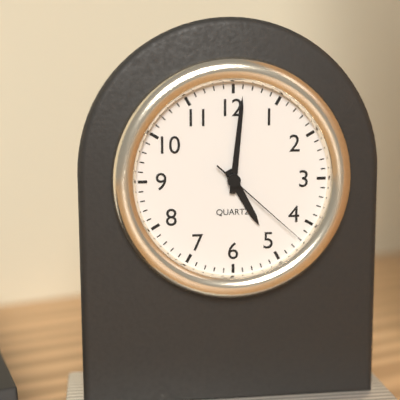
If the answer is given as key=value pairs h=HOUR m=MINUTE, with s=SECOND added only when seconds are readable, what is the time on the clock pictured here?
h=5 m=1 s=22
